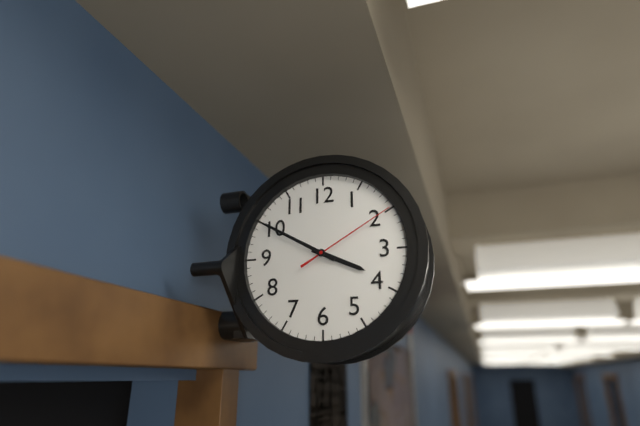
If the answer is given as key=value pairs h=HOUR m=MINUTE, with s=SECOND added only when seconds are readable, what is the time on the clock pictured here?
h=3 m=50 s=10
